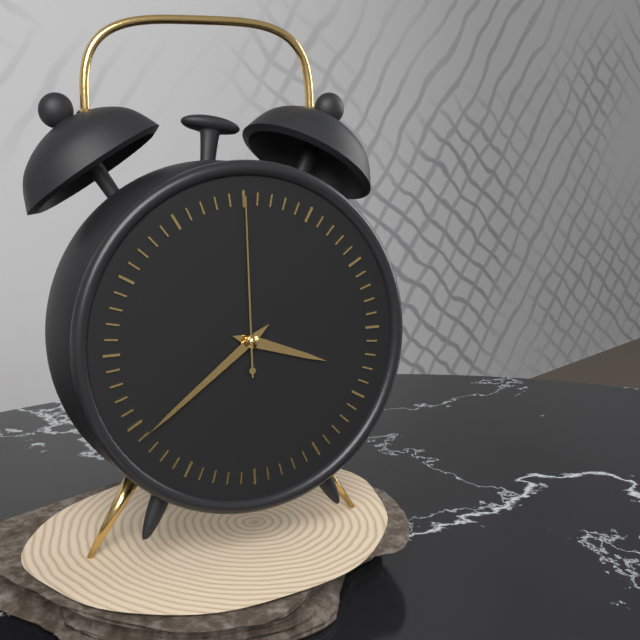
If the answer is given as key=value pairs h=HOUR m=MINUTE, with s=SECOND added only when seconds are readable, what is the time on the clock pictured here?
h=3 m=39 s=0
